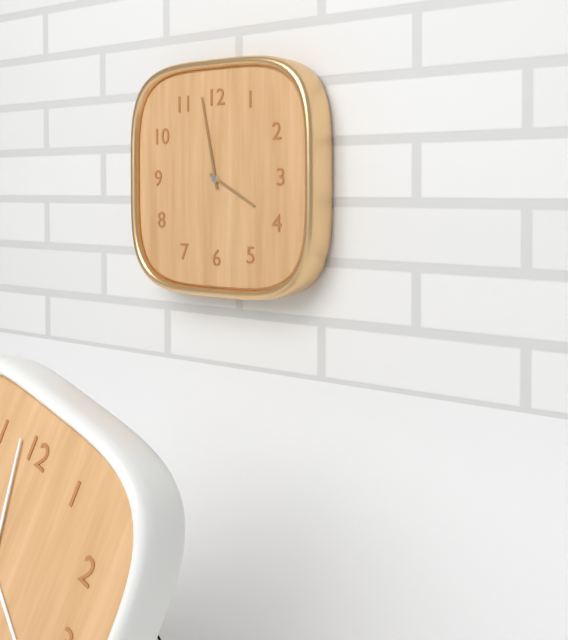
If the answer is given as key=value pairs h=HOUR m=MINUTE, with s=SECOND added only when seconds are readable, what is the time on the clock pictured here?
h=3 m=58
